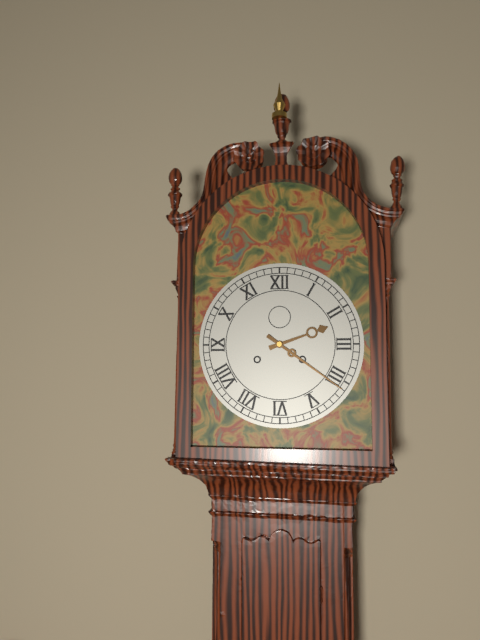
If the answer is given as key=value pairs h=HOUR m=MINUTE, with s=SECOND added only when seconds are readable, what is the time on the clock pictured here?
h=2 m=21
